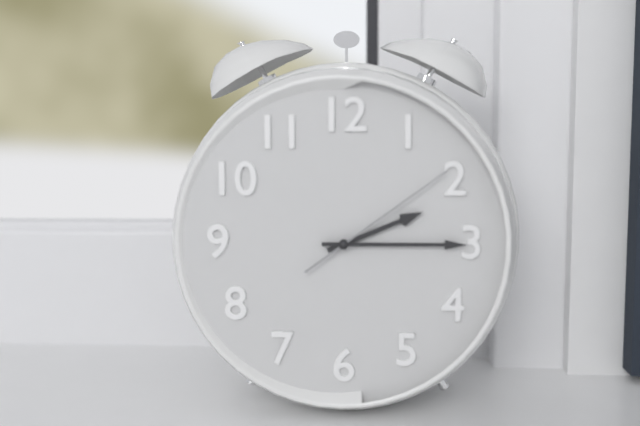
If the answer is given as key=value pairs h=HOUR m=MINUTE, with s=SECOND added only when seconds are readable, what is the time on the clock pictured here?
h=2 m=15 s=9
